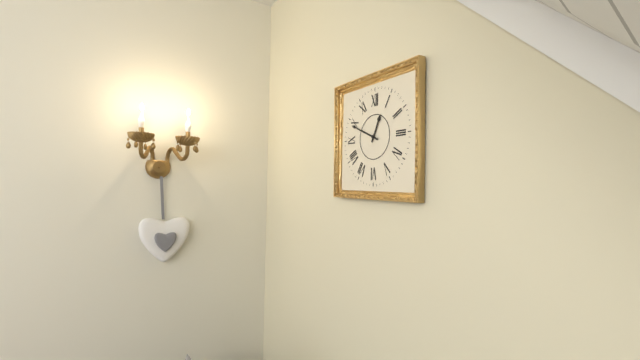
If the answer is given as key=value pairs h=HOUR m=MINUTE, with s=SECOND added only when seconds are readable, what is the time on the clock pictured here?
h=12 m=49
